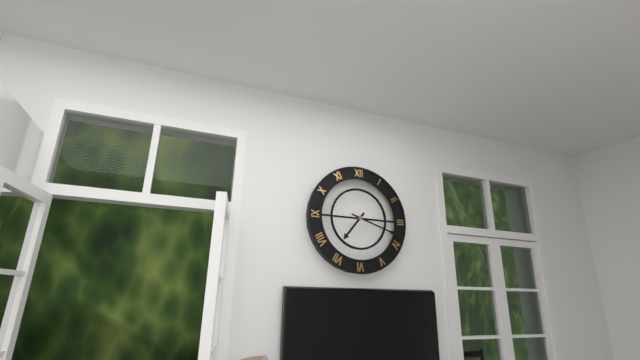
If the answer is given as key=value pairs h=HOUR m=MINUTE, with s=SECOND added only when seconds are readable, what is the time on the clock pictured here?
h=7 m=18
